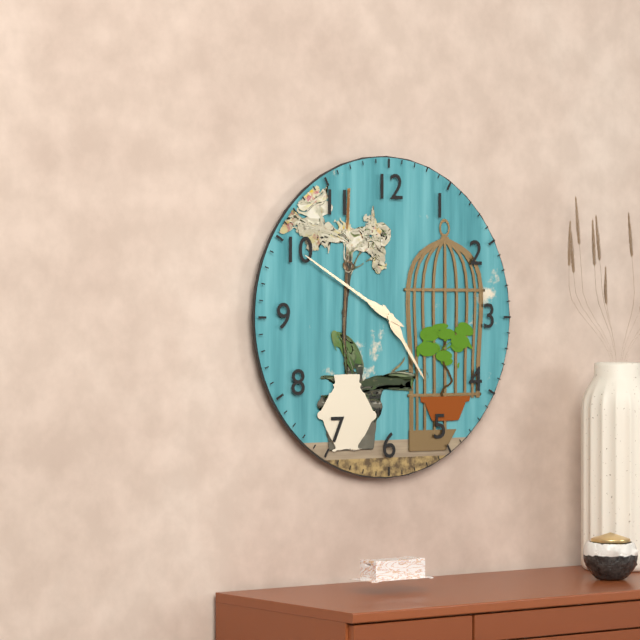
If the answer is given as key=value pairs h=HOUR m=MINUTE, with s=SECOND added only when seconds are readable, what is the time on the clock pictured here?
h=4 m=50
